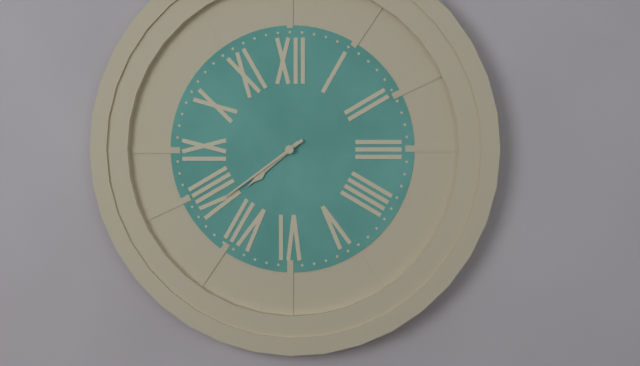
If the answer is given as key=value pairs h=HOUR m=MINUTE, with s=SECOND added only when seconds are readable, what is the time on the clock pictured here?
h=7 m=39
